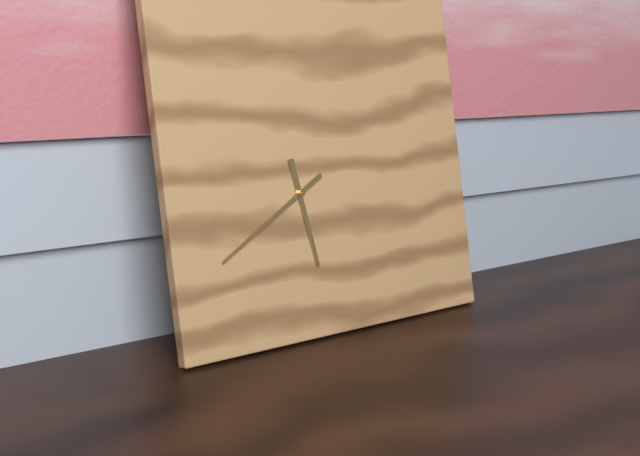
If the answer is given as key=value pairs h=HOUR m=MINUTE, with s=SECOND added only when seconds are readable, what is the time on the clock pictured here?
h=5 m=40
